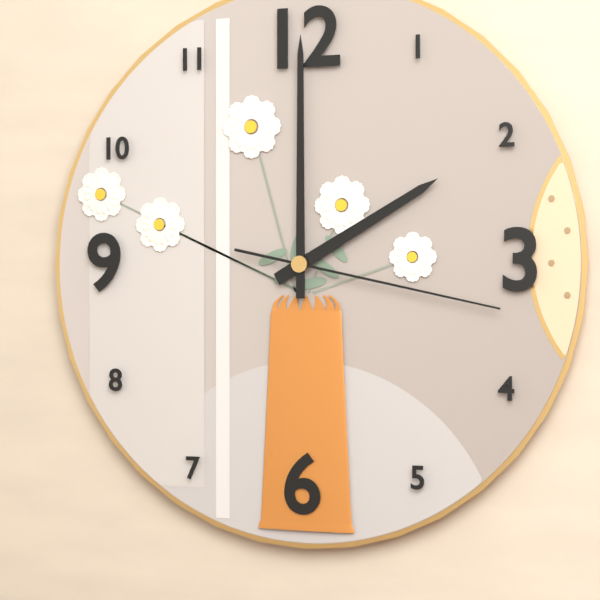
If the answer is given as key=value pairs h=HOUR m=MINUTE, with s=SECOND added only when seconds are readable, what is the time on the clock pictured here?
h=2 m=0 s=17
